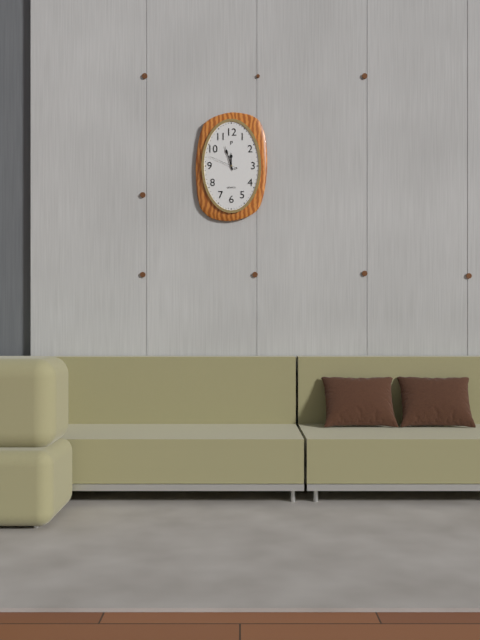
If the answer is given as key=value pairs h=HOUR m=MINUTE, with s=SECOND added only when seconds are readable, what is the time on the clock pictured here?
h=11 m=57
